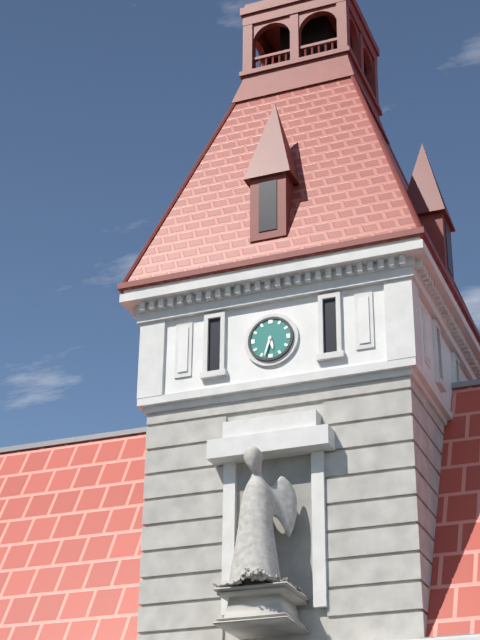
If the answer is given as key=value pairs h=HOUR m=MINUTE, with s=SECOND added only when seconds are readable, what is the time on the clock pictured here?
h=5 m=33
